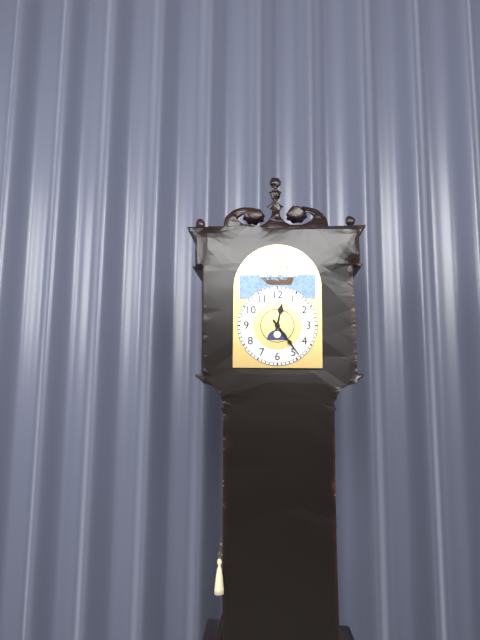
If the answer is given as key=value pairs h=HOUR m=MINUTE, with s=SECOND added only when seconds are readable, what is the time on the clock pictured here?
h=12 m=24
